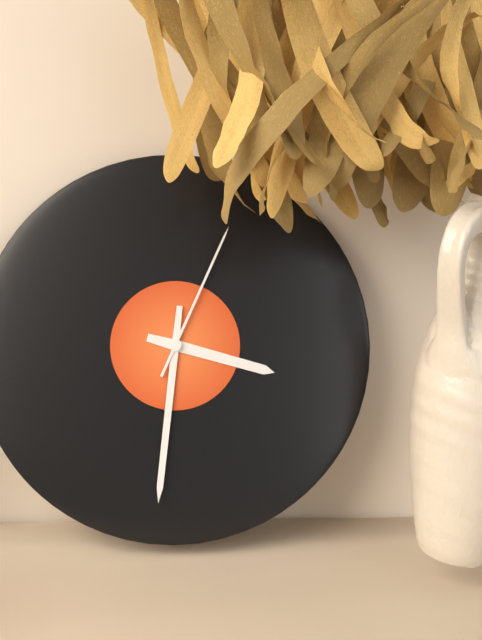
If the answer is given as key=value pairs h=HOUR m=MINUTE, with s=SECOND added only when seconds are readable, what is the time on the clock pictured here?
h=3 m=31 s=4
